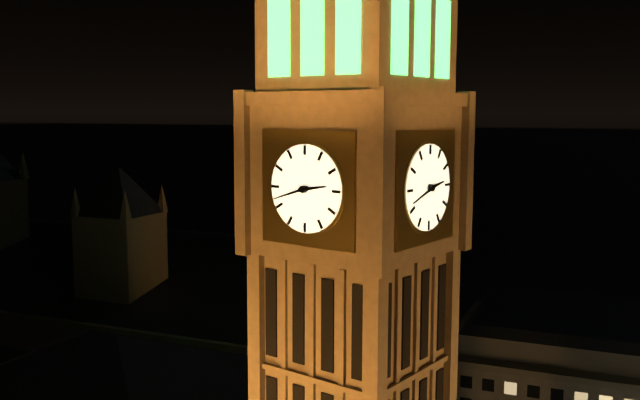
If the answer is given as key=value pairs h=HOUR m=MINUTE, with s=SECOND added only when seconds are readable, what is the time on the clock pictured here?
h=2 m=42
